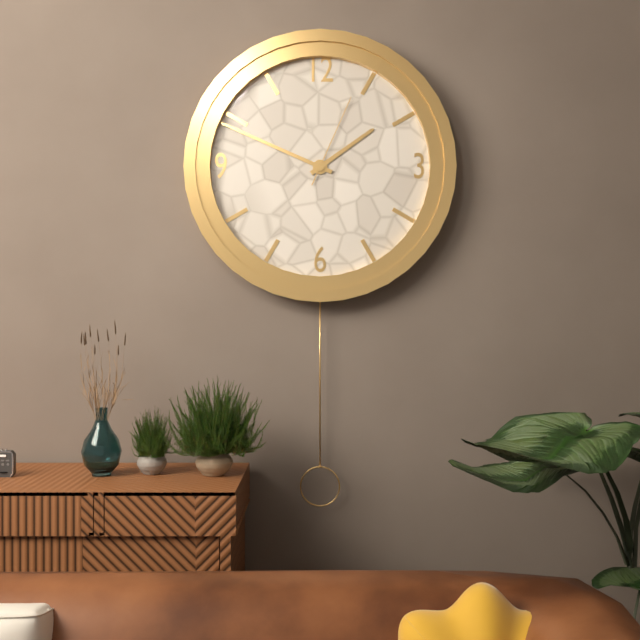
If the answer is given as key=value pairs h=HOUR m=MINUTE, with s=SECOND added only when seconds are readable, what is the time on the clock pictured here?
h=1 m=49 s=4
